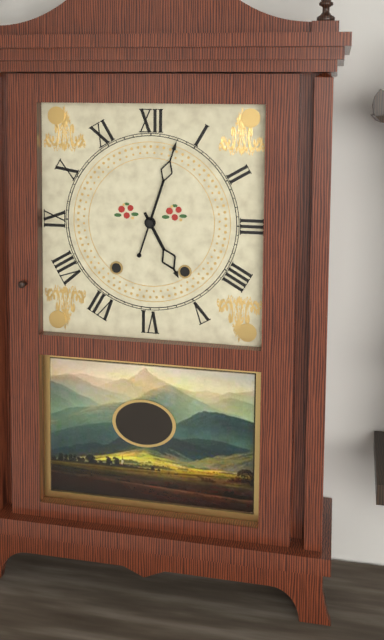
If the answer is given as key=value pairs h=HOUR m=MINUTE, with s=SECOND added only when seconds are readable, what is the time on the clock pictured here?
h=5 m=3
